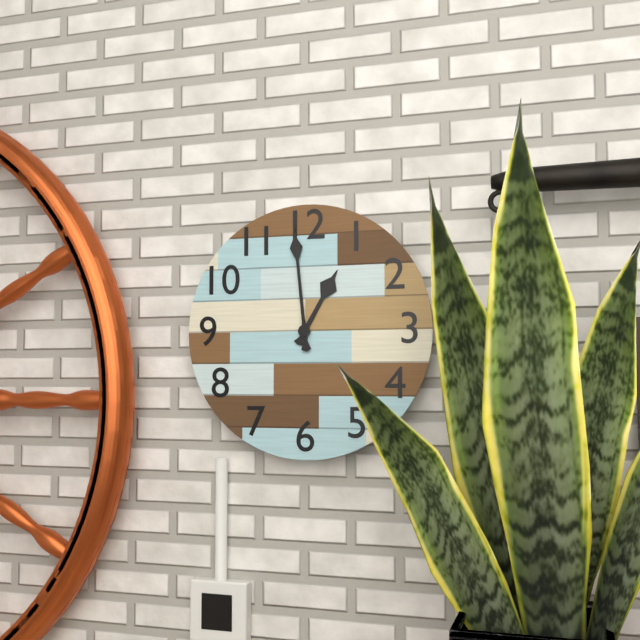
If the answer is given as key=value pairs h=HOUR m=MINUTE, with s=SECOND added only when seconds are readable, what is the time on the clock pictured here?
h=12 m=59
